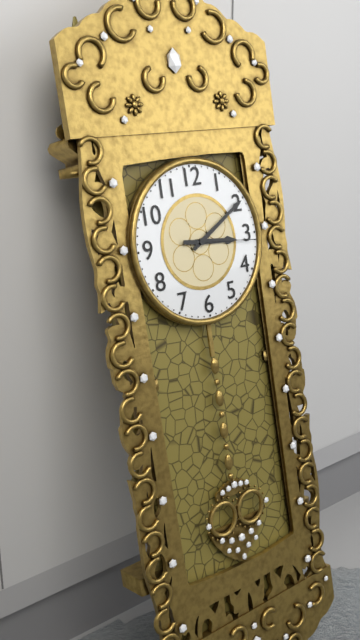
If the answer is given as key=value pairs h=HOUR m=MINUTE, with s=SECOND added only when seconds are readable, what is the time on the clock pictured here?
h=3 m=10 s=16
